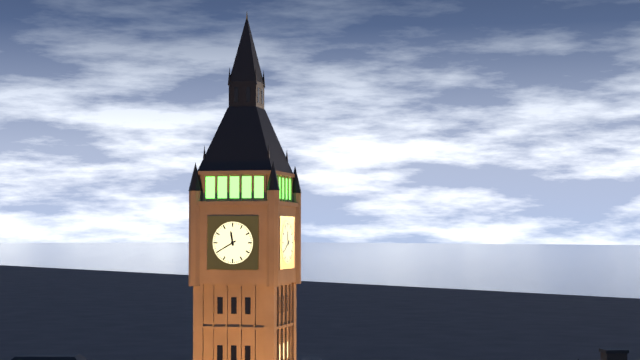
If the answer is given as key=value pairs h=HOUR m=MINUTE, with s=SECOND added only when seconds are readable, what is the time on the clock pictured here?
h=11 m=40
